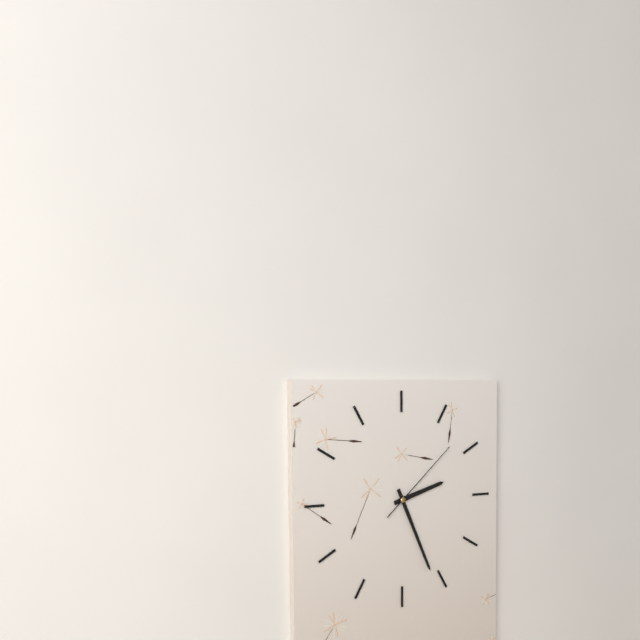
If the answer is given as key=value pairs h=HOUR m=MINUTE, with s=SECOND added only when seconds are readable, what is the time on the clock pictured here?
h=2 m=26 s=8
